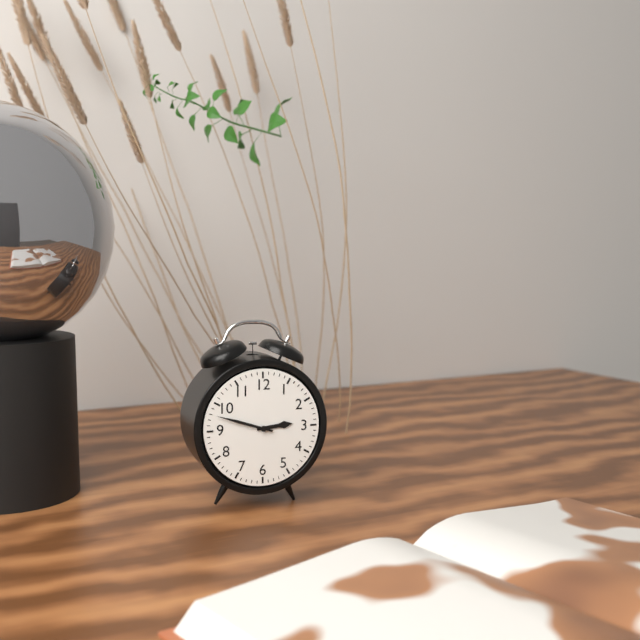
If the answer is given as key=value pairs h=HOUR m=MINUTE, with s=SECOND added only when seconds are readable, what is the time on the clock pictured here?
h=2 m=48
